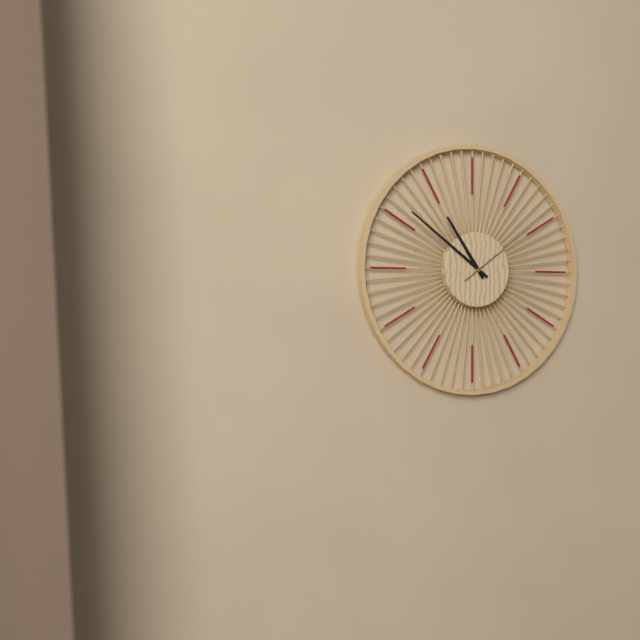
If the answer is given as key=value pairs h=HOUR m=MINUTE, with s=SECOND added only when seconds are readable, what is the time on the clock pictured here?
h=10 m=51 s=9
